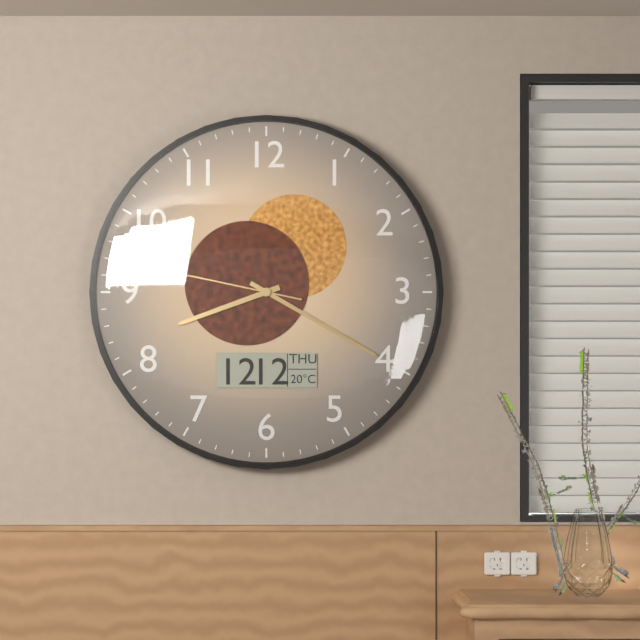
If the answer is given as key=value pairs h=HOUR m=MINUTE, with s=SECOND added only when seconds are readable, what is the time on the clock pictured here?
h=8 m=20 s=47
